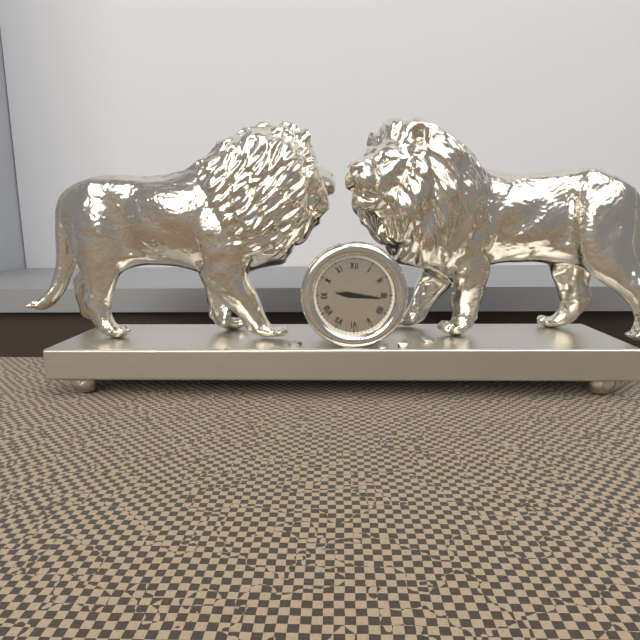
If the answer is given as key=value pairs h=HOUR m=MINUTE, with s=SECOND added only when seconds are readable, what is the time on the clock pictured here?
h=9 m=16
